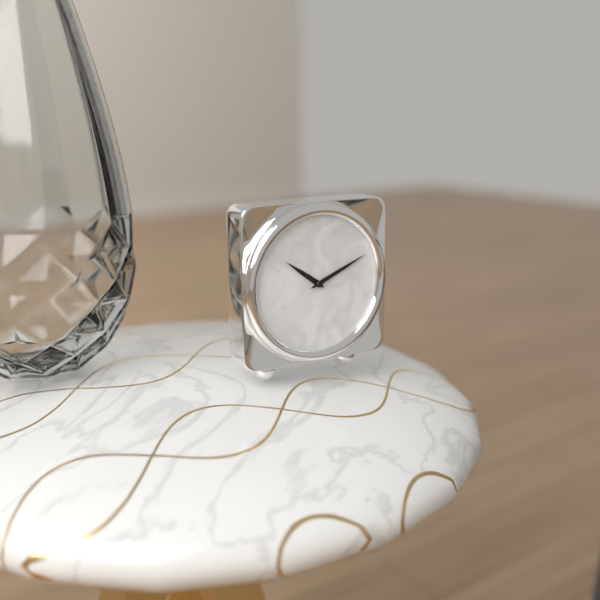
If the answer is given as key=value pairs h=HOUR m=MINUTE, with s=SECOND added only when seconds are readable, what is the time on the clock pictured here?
h=10 m=11
